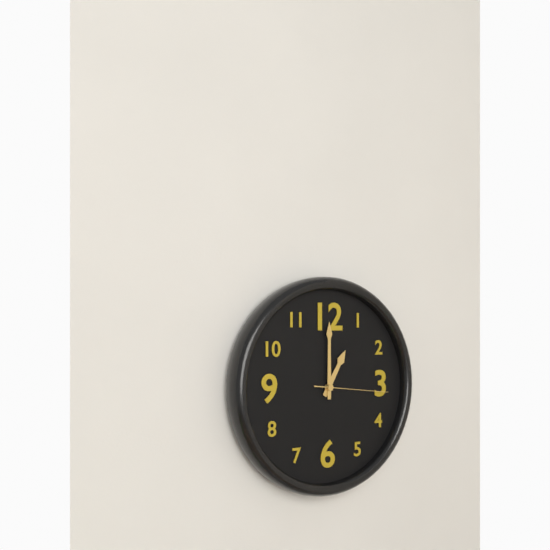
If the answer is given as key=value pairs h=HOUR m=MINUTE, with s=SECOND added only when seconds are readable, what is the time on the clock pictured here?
h=1 m=0 s=16
